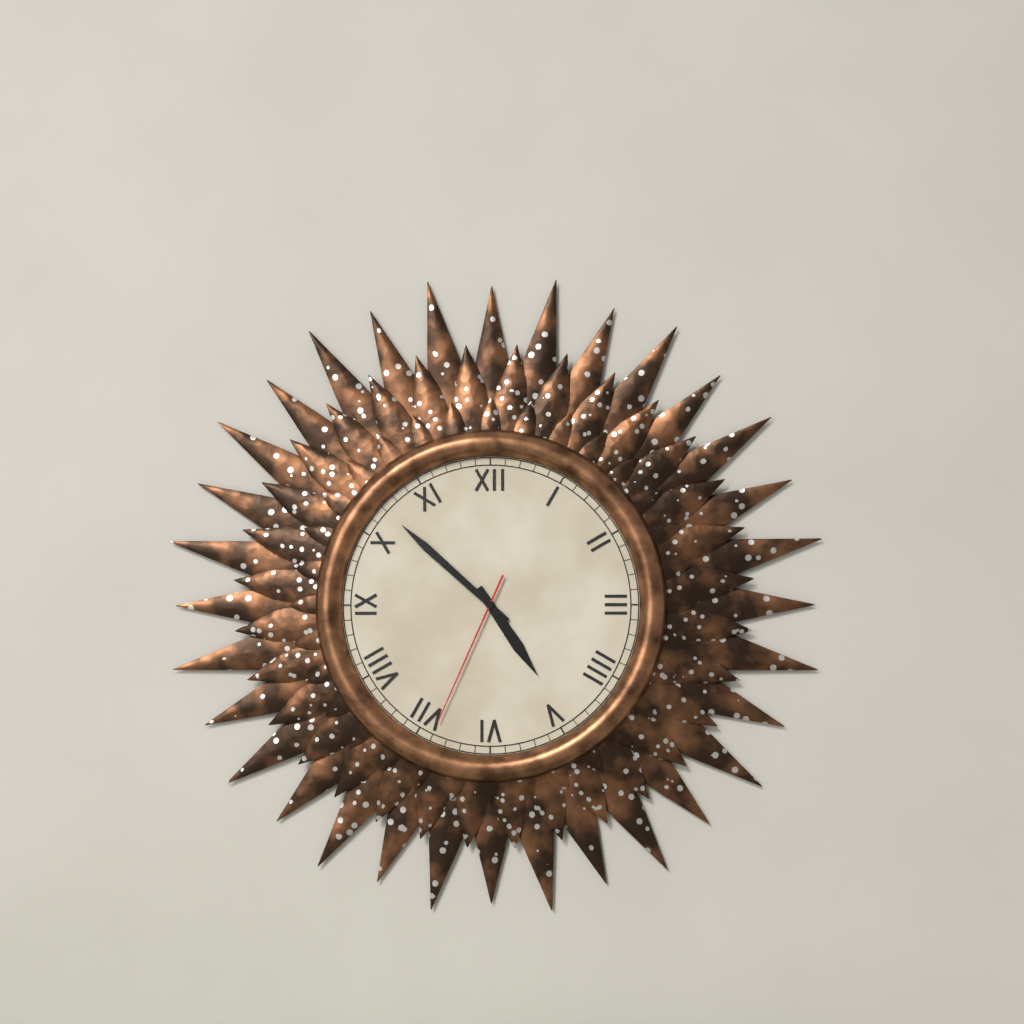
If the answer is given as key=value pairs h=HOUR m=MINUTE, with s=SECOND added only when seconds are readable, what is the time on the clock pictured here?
h=4 m=52 s=34
